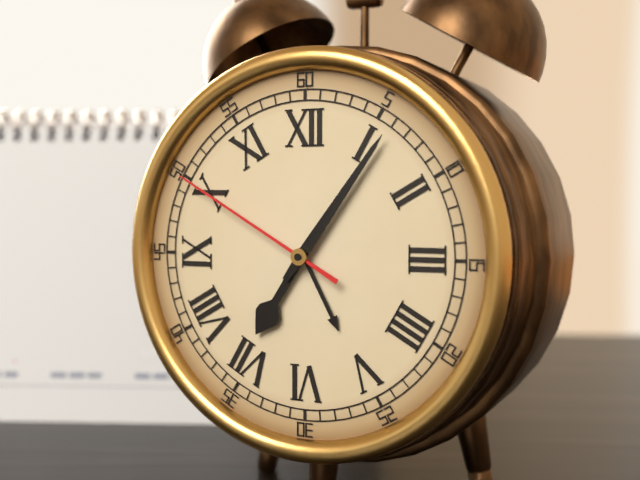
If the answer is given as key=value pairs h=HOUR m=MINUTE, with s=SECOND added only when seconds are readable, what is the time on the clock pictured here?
h=7 m=6 s=50
